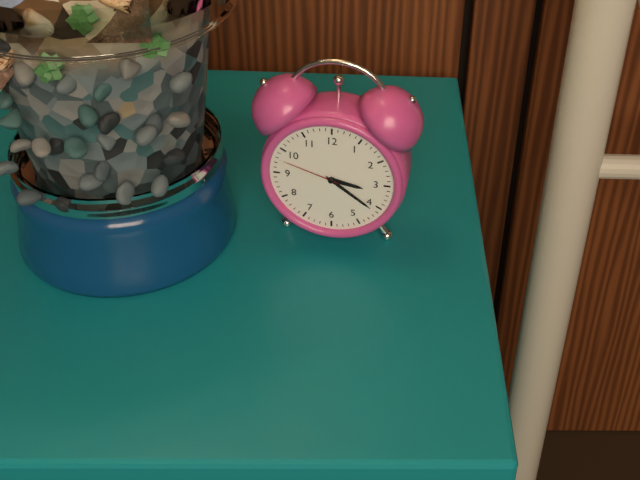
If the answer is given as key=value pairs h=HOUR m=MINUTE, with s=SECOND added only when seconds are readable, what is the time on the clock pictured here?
h=3 m=21 s=48
